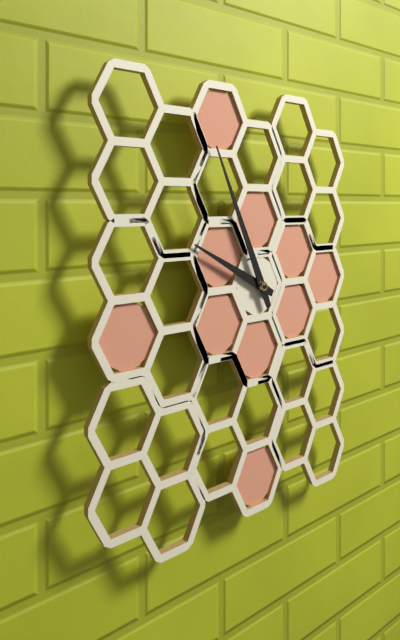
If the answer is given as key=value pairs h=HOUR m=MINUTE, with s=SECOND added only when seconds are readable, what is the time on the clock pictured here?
h=9 m=56
